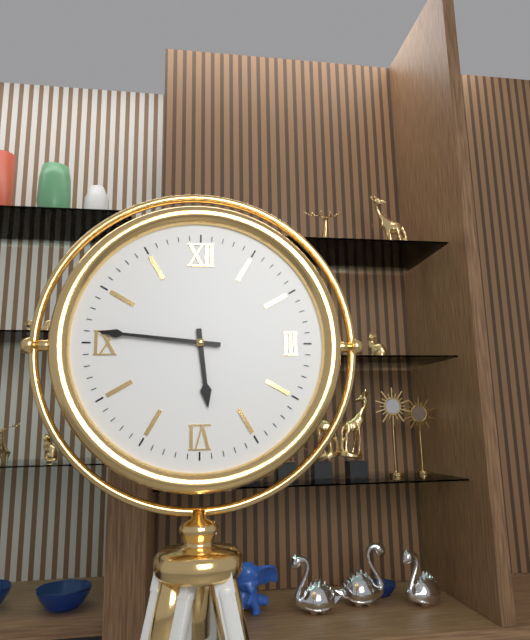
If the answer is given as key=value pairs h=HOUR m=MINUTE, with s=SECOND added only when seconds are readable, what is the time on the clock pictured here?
h=5 m=46
